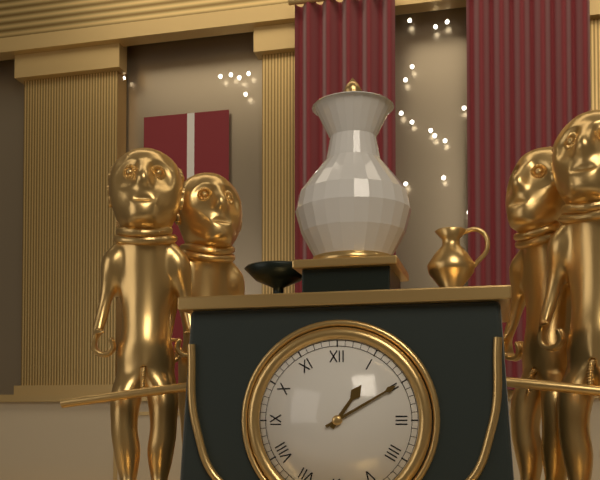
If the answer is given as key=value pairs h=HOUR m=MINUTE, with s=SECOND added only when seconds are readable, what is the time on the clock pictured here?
h=1 m=10
